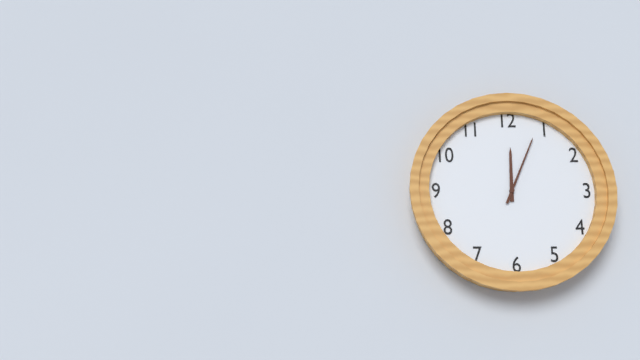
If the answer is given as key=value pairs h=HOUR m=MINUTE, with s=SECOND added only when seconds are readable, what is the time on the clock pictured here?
h=12 m=4
